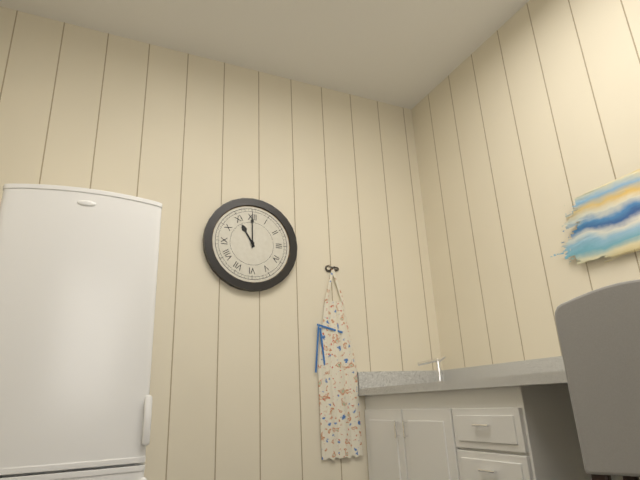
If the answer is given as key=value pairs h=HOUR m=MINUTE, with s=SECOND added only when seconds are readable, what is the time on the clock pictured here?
h=11 m=0
